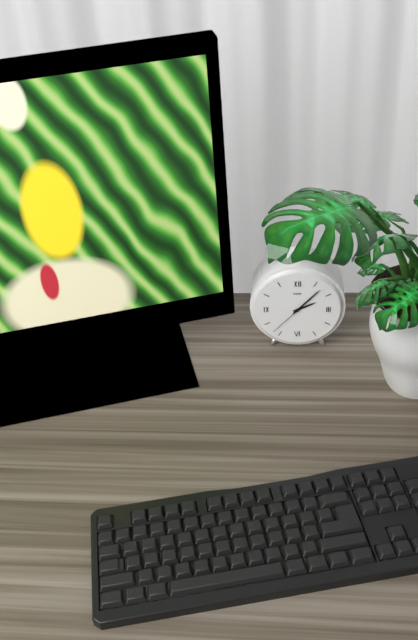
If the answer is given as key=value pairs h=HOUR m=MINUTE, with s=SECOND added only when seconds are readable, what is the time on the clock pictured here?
h=2 m=7
